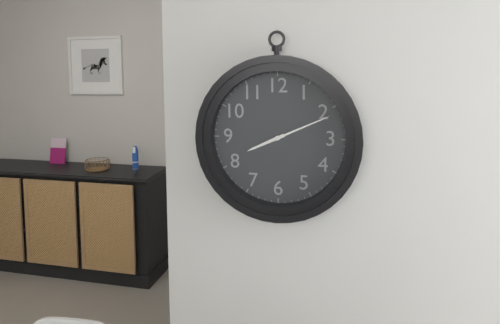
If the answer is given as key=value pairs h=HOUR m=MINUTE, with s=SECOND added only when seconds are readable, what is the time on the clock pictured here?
h=8 m=11
